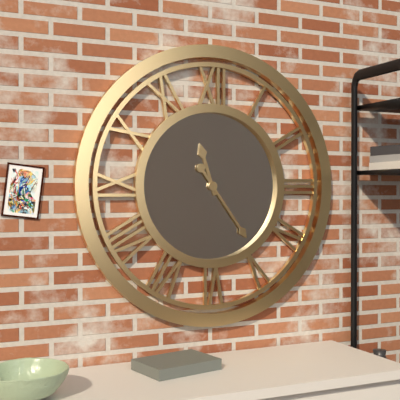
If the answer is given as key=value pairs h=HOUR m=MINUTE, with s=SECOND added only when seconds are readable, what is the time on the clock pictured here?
h=11 m=24
